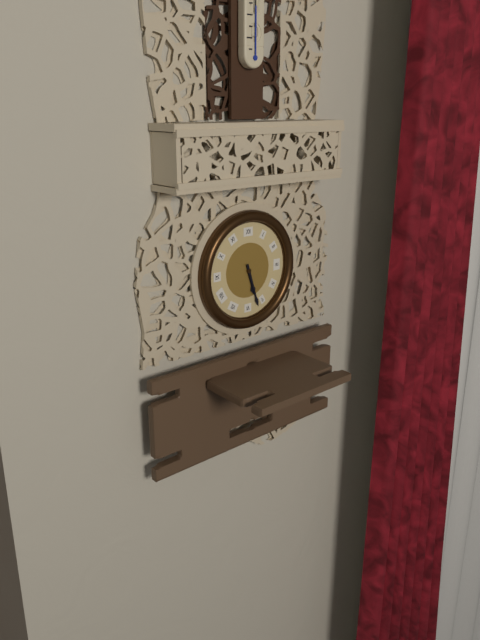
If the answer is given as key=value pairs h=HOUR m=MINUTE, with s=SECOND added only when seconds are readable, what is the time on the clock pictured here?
h=5 m=27
